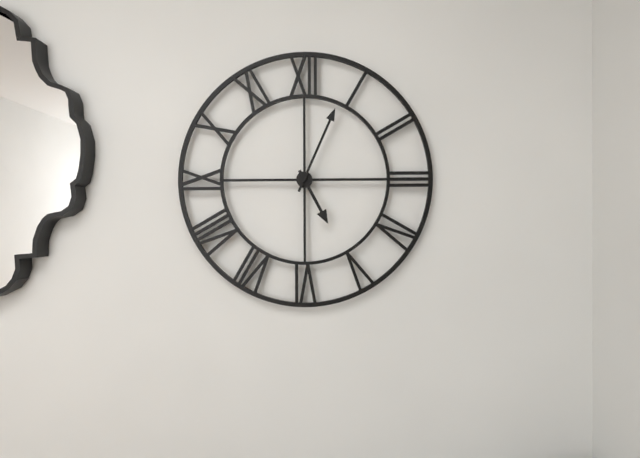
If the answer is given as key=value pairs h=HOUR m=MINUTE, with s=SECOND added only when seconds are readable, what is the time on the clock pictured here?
h=5 m=4
